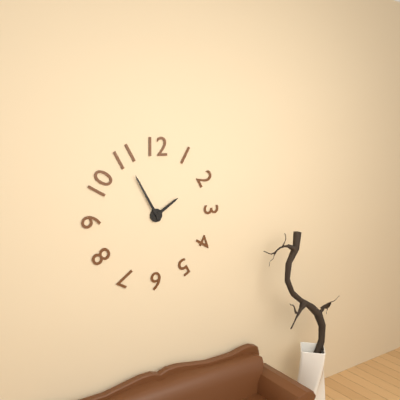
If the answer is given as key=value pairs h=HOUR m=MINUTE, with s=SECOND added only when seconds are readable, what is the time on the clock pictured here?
h=1 m=55
